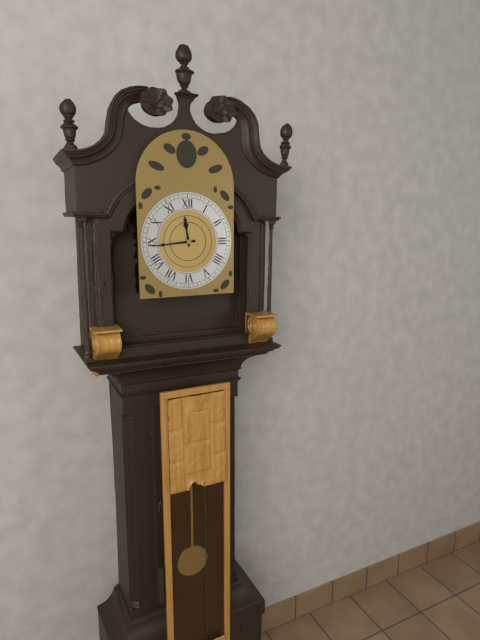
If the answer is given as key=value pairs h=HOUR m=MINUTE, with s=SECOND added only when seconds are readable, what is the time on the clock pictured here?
h=11 m=44
